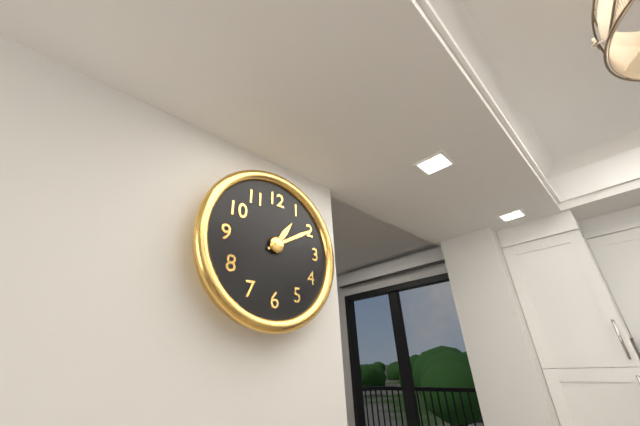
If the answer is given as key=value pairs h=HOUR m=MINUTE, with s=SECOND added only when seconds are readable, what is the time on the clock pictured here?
h=1 m=10
